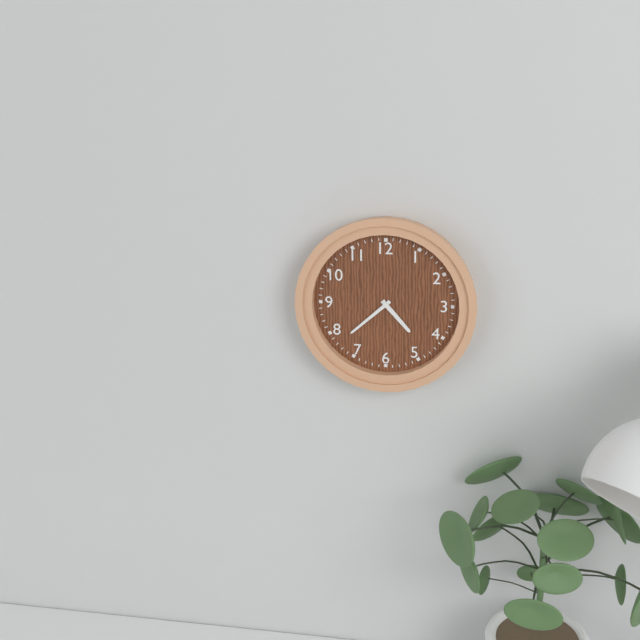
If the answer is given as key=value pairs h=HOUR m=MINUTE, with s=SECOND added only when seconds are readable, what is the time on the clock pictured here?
h=4 m=38
